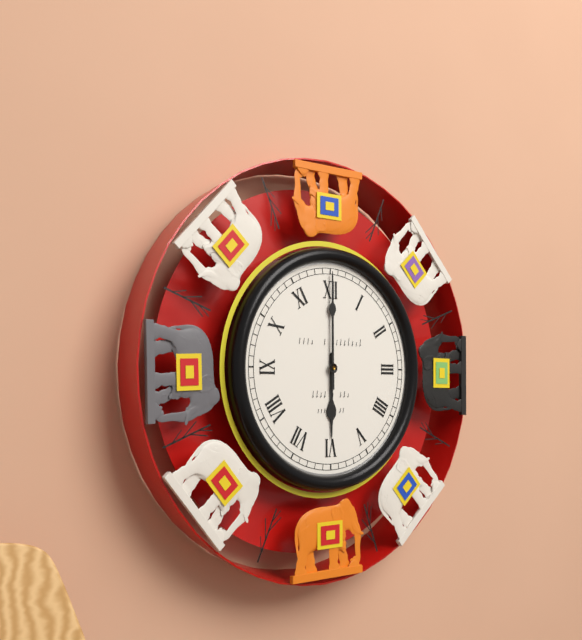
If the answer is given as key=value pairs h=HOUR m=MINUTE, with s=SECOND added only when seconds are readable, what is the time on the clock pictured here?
h=6 m=0
